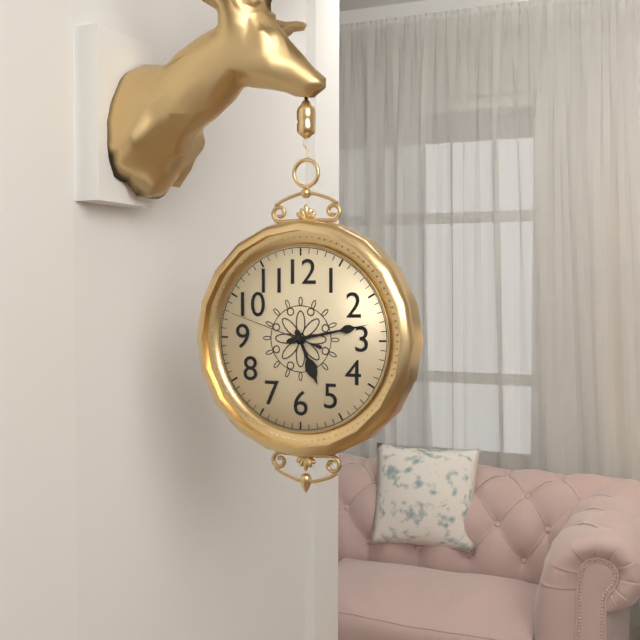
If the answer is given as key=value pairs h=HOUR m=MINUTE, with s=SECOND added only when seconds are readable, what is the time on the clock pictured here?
h=5 m=13 s=48
